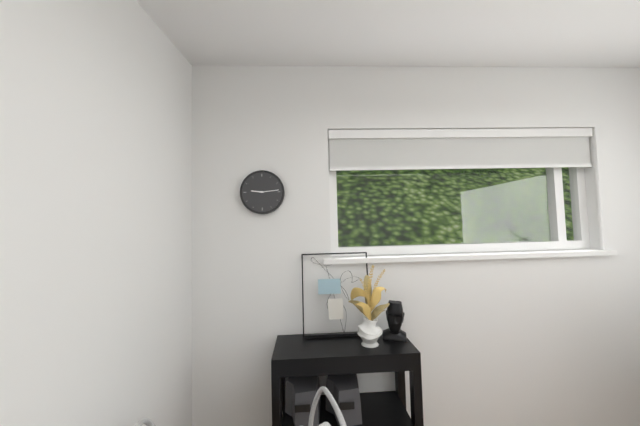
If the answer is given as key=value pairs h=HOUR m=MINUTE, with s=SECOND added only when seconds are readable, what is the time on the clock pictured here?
h=9 m=14
